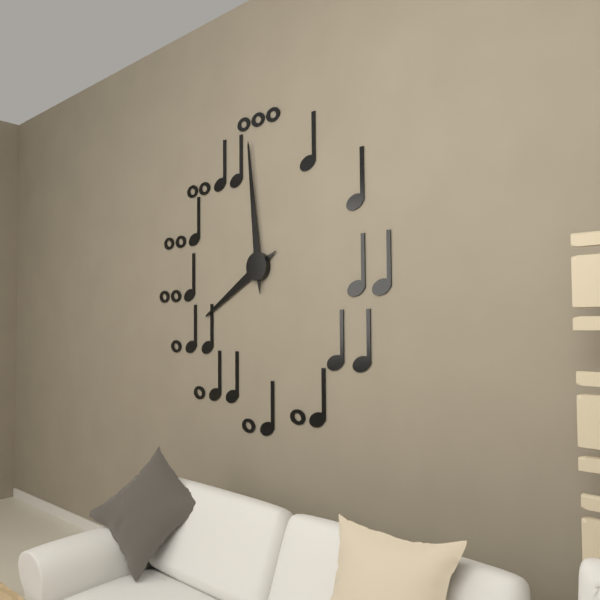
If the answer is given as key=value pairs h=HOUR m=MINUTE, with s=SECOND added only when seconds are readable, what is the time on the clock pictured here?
h=7 m=59
